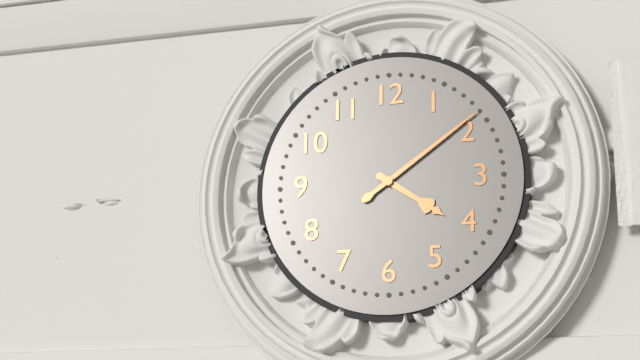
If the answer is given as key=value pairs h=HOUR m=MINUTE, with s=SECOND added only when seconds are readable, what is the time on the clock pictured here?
h=4 m=9
